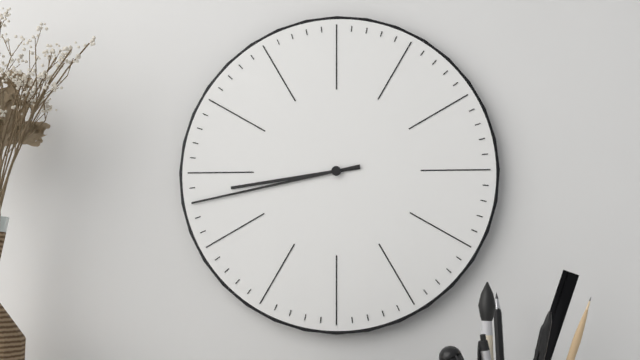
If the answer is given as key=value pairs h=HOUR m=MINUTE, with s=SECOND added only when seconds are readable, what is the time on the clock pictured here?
h=8 m=43
